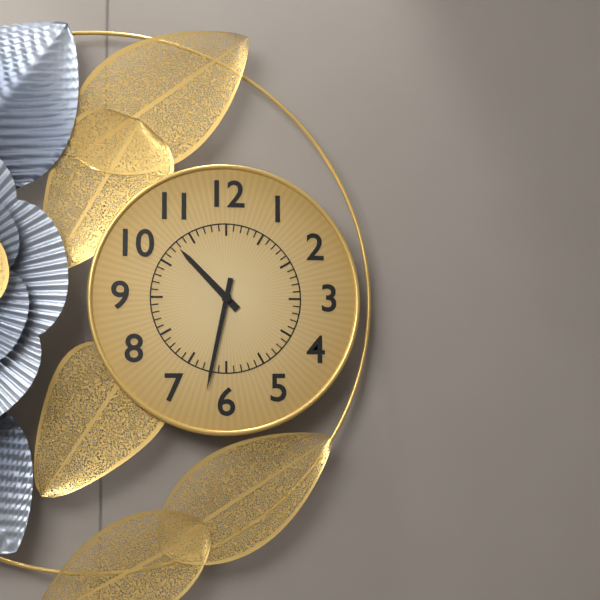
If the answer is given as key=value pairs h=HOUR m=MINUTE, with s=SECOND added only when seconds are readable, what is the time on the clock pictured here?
h=10 m=32
